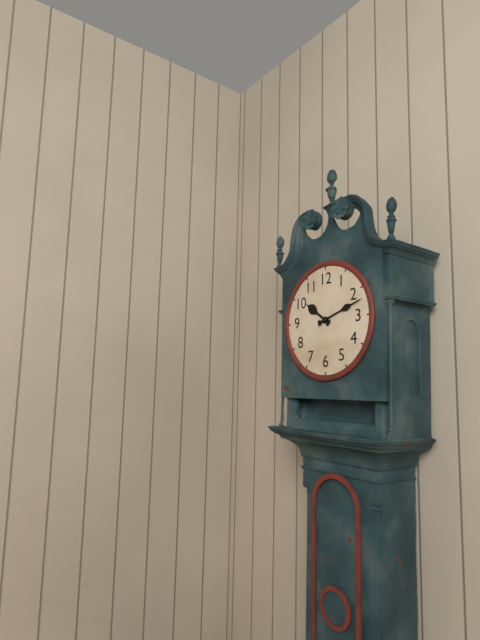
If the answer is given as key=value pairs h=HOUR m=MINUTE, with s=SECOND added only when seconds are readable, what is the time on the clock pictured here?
h=10 m=12
